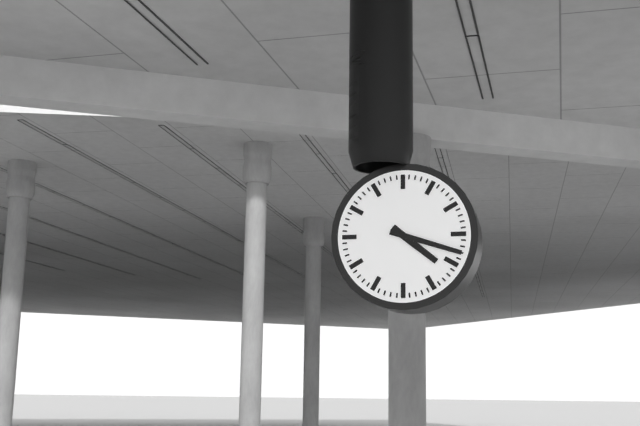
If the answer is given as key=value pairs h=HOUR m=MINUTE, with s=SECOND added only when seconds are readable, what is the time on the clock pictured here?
h=4 m=18
